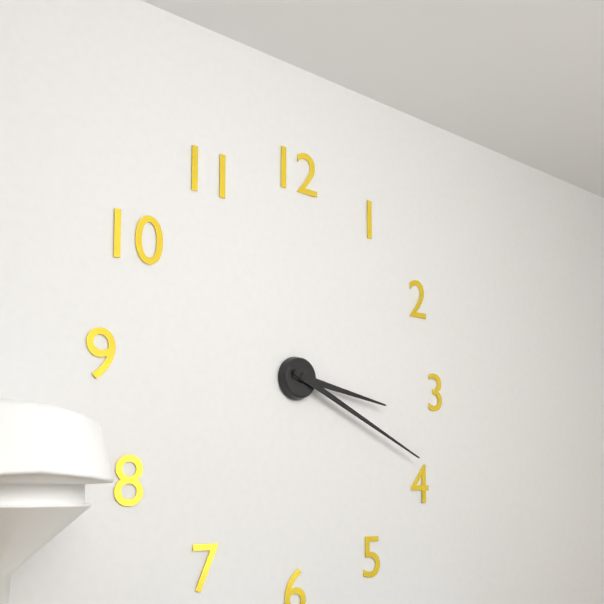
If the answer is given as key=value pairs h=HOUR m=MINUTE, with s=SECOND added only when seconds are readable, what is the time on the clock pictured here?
h=3 m=19
